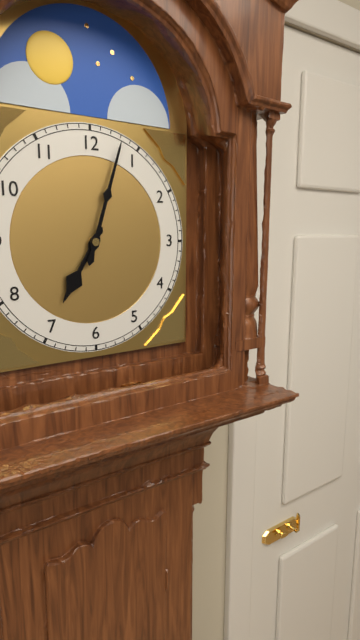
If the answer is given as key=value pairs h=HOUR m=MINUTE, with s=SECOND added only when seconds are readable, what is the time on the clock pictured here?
h=7 m=3
